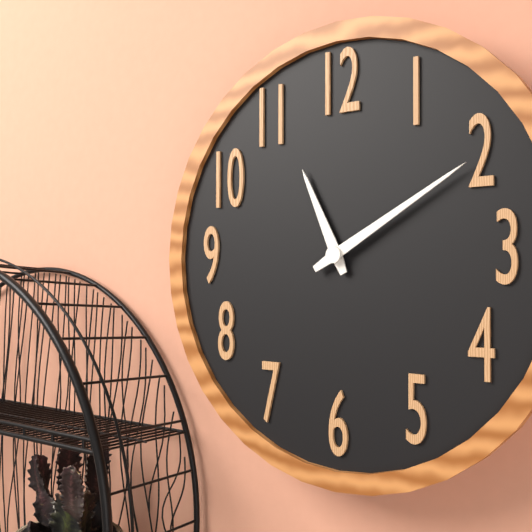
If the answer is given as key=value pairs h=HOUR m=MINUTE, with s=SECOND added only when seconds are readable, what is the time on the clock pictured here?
h=11 m=10
